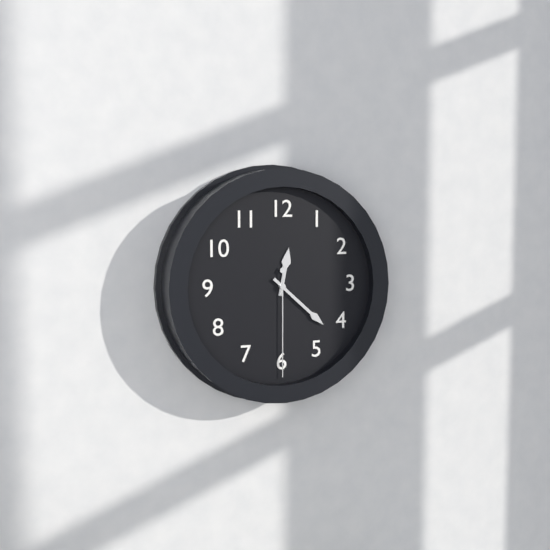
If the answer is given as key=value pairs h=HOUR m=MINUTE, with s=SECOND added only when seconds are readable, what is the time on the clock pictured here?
h=12 m=22 s=30
